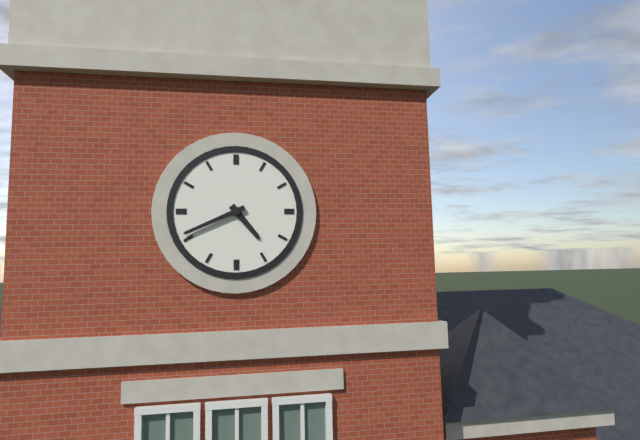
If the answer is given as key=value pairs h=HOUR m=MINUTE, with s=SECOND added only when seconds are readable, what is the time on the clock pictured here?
h=4 m=41
